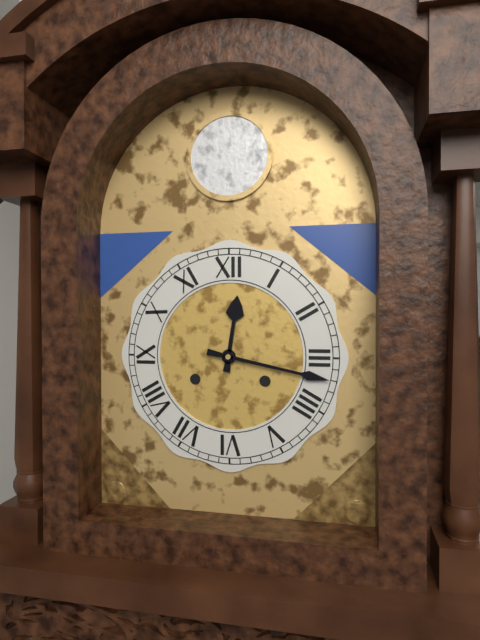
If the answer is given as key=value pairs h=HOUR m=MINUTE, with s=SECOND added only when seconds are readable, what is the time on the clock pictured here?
h=12 m=17
